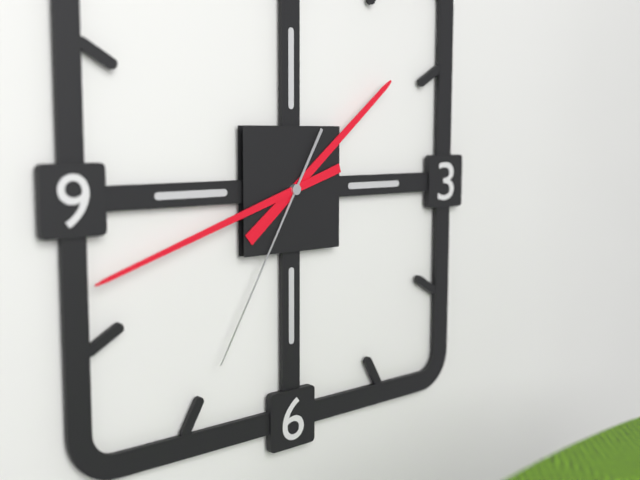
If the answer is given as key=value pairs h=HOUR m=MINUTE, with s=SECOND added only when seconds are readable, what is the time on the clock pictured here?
h=1 m=42 s=35
